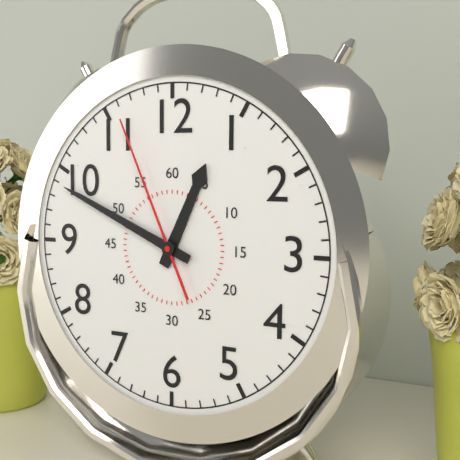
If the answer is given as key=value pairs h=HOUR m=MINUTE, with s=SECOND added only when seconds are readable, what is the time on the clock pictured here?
h=12 m=49 s=56
